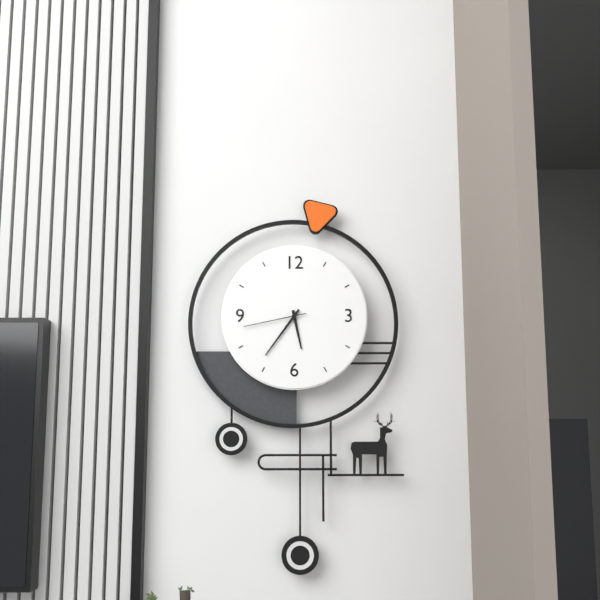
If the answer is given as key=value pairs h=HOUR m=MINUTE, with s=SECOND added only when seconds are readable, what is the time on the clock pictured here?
h=5 m=36 s=43
